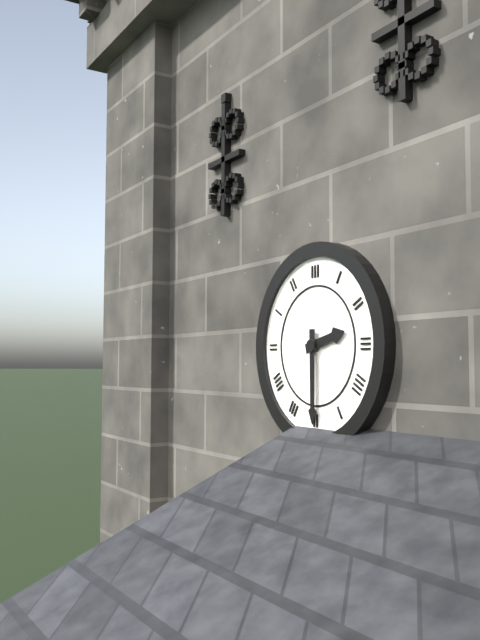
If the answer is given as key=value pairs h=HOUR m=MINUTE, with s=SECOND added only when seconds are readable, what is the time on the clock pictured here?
h=2 m=30
